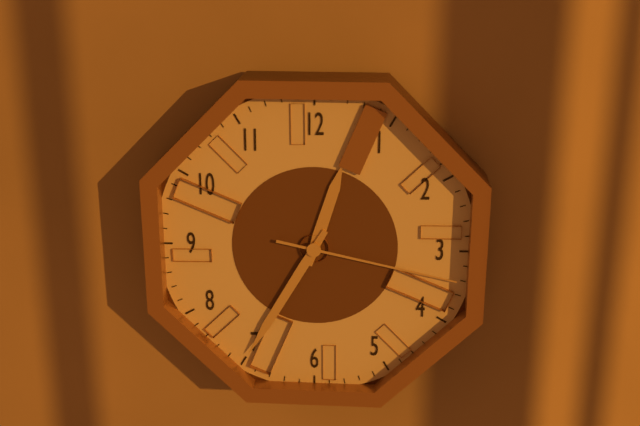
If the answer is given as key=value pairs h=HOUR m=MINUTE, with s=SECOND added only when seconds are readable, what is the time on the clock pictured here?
h=12 m=35 s=17
